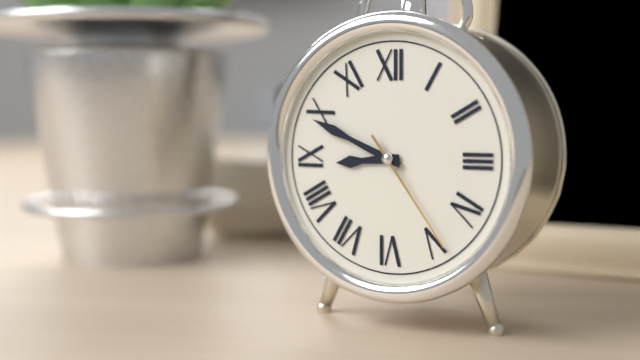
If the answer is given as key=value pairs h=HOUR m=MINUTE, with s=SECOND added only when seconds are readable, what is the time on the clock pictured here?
h=8 m=49 s=24
